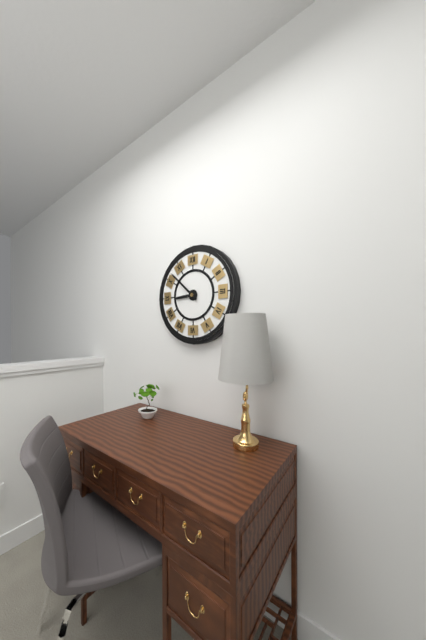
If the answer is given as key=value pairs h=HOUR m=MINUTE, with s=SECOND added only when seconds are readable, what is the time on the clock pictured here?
h=8 m=52
